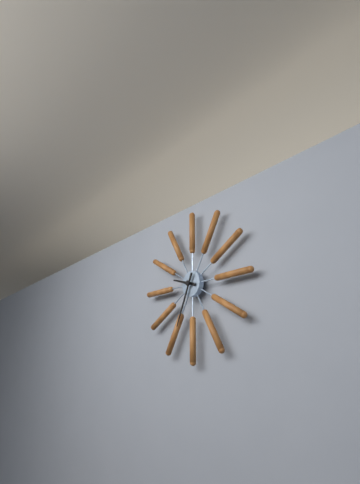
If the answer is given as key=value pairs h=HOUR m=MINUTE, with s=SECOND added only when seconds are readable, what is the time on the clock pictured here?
h=9 m=34
